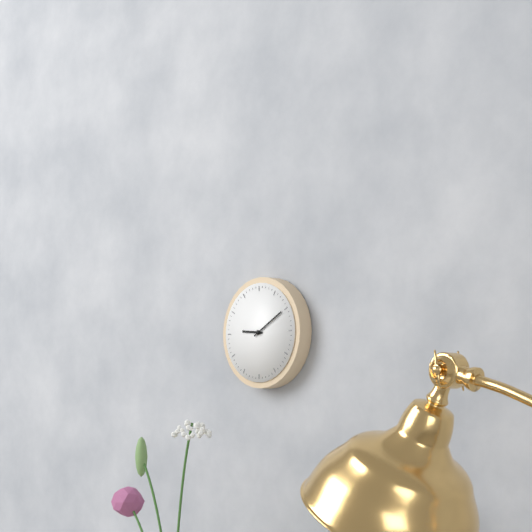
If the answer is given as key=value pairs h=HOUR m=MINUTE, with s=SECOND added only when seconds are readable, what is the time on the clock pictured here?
h=9 m=10
